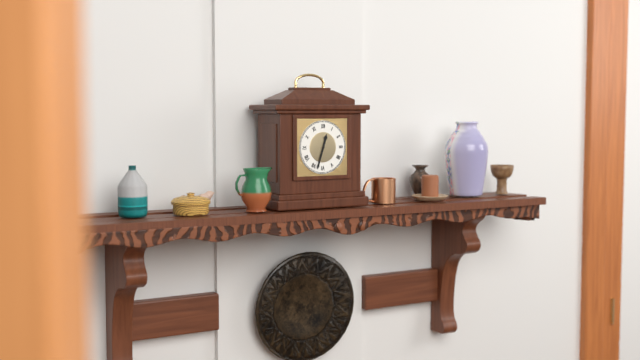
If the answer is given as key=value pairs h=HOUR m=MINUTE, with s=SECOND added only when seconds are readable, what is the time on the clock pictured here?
h=12 m=33
